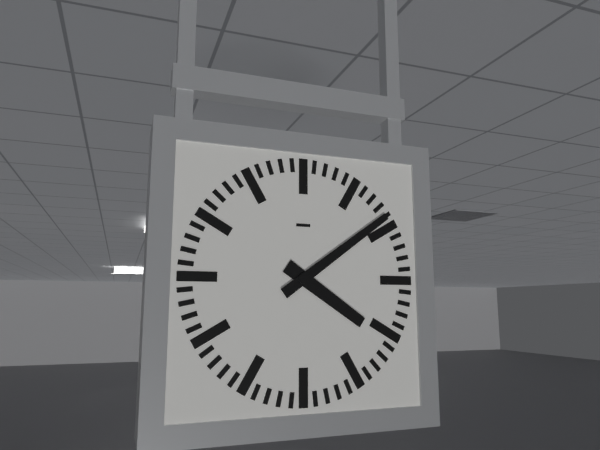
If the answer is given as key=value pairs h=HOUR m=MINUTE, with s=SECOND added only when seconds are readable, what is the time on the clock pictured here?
h=4 m=9
